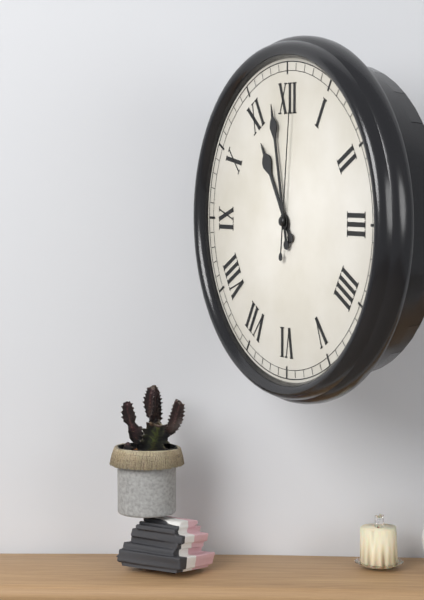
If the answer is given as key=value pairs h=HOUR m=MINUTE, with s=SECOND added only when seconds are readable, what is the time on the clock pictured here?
h=10 m=58 s=1
